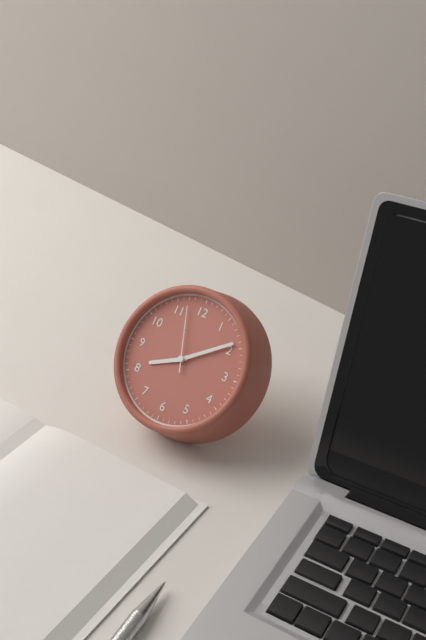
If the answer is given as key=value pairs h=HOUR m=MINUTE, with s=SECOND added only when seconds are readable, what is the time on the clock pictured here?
h=8 m=9 s=57
